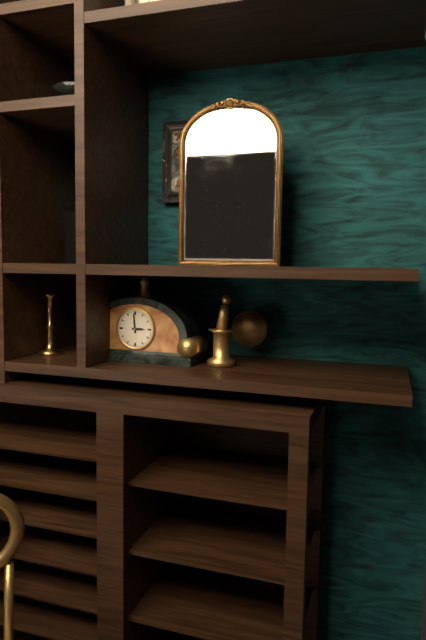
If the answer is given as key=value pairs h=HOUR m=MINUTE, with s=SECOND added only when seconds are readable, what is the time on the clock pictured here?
h=2 m=59
